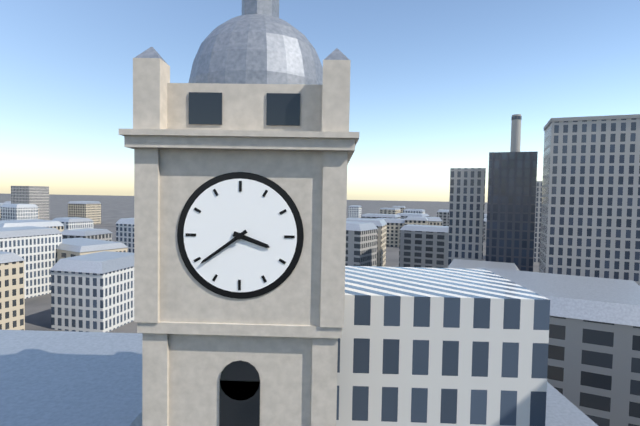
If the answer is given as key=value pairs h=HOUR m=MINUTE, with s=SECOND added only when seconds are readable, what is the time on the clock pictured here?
h=3 m=39
